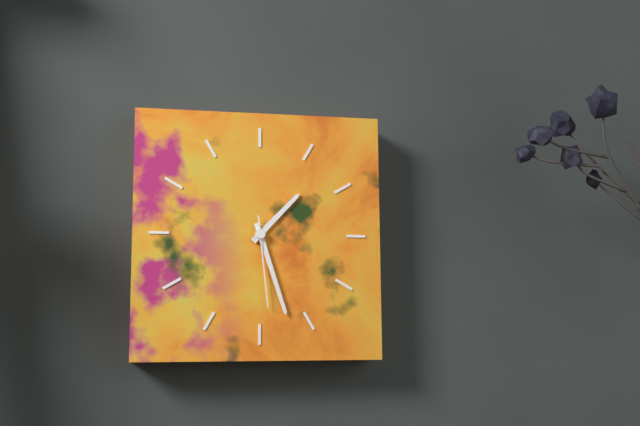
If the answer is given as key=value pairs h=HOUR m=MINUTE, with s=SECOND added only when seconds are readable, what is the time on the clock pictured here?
h=1 m=27 s=29
